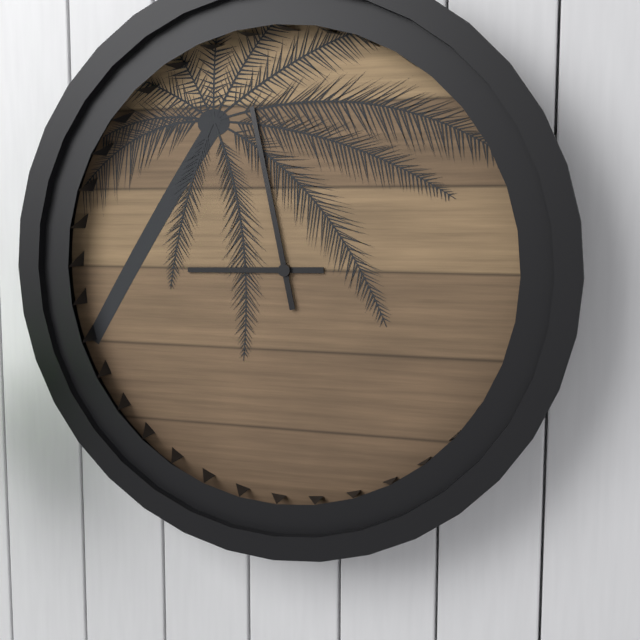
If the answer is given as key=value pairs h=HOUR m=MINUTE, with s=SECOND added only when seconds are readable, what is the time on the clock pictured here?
h=8 m=58
